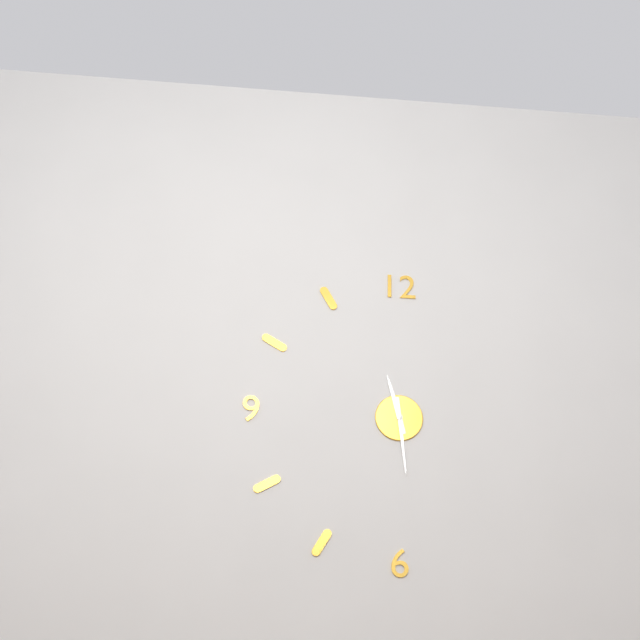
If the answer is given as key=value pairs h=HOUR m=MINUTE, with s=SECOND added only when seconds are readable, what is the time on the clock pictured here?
h=11 m=29
